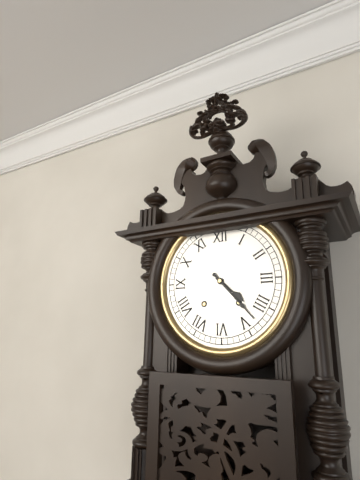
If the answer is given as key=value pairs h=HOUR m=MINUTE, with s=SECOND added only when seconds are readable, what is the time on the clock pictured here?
h=4 m=23
